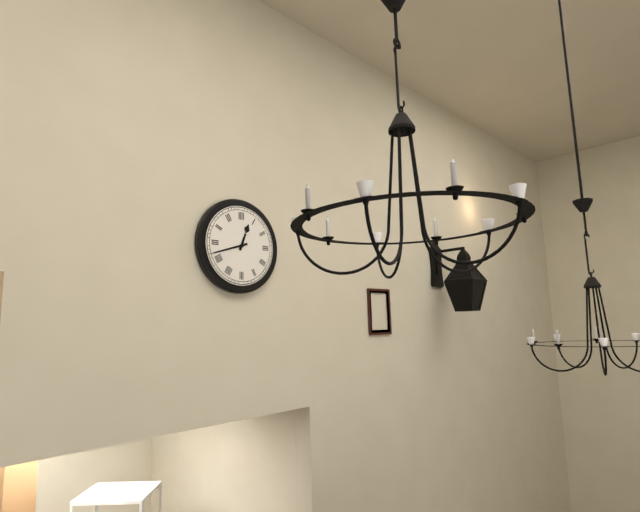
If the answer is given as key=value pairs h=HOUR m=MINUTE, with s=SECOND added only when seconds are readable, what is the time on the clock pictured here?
h=12 m=42
